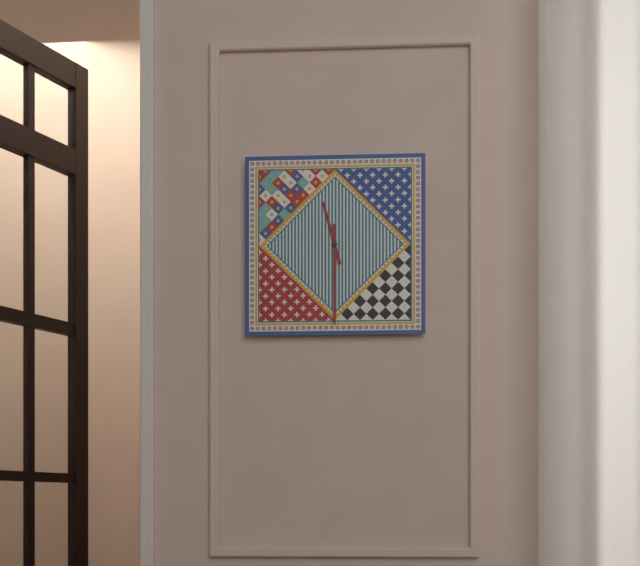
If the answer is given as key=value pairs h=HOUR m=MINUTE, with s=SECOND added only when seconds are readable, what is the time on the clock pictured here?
h=11 m=30
